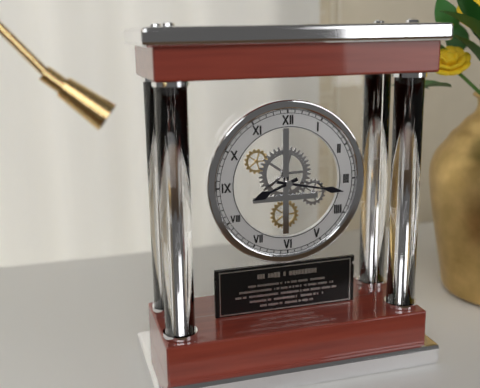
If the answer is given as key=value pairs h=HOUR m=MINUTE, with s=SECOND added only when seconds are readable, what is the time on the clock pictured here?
h=8 m=17
